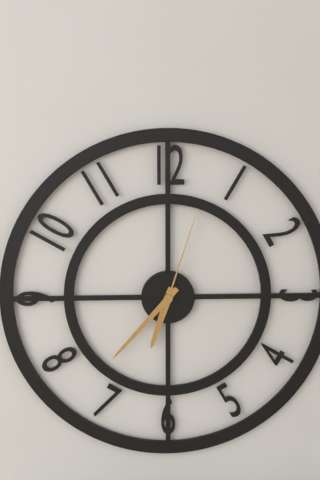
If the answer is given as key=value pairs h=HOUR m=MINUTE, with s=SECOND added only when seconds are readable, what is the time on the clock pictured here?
h=6 m=37 s=3
